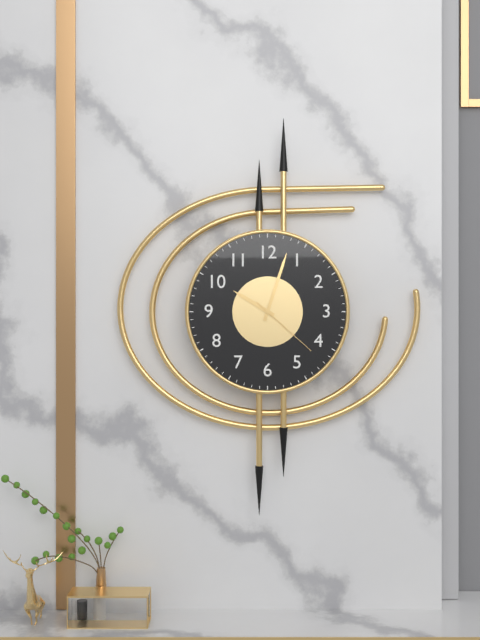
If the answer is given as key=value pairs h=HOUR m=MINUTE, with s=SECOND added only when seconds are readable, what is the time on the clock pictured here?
h=10 m=3 s=22
